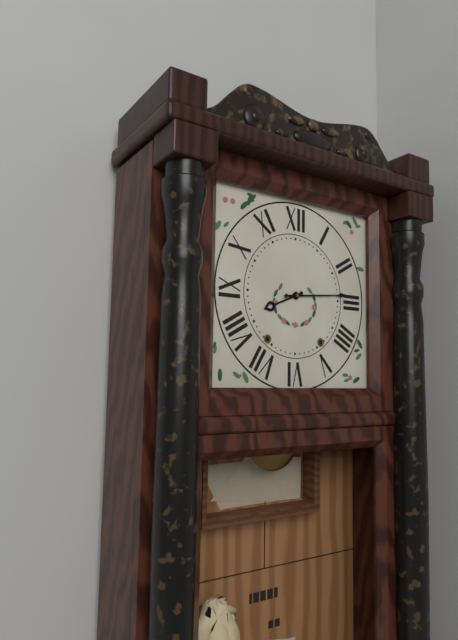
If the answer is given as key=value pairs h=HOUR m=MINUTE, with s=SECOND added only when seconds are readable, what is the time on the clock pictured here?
h=8 m=14
